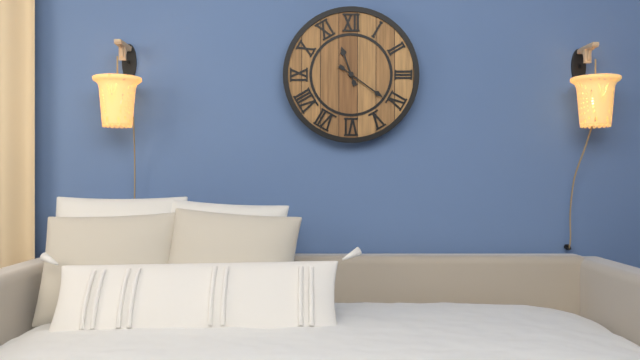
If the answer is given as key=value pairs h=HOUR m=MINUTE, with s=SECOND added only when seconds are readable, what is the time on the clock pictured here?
h=11 m=21
